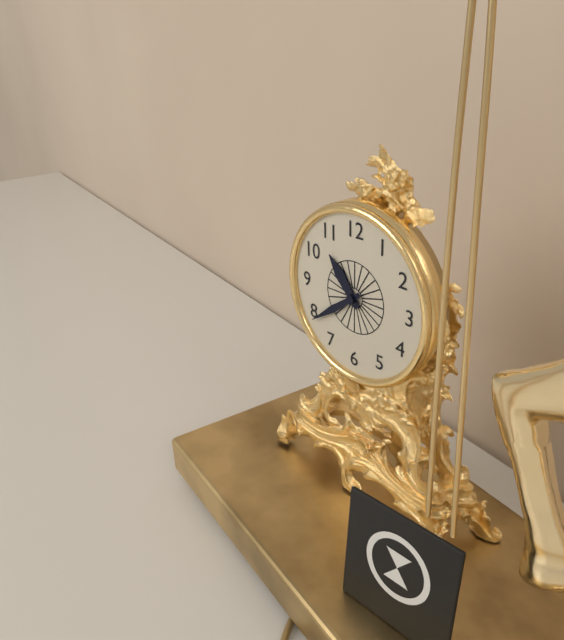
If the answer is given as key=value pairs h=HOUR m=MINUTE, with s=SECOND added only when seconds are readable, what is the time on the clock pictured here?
h=10 m=39
